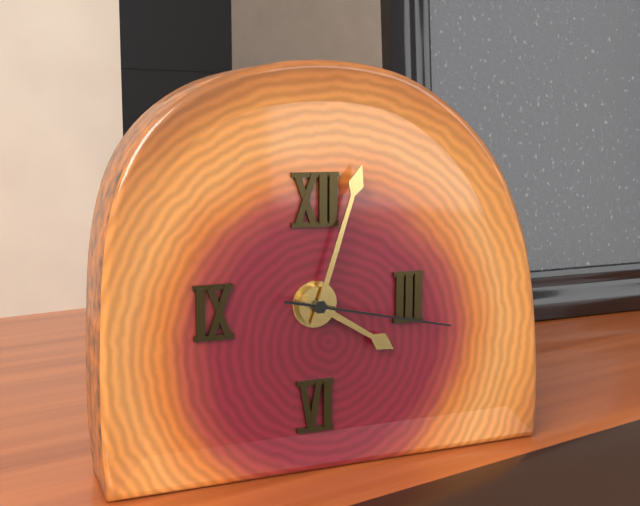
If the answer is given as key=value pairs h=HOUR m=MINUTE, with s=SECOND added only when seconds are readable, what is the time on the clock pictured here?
h=4 m=3 s=17
